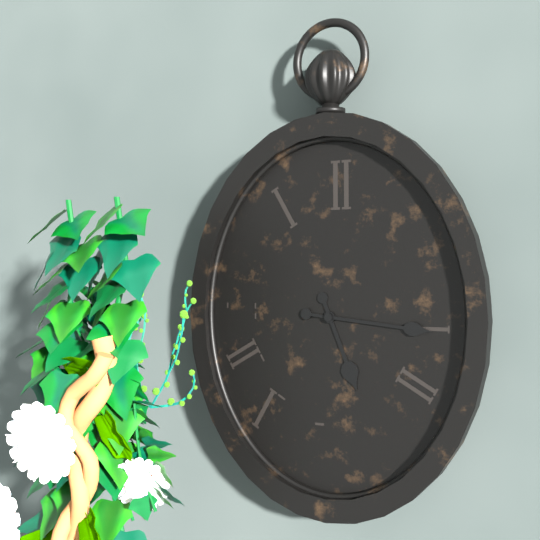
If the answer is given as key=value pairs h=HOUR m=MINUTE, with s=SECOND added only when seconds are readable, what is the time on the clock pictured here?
h=5 m=16
